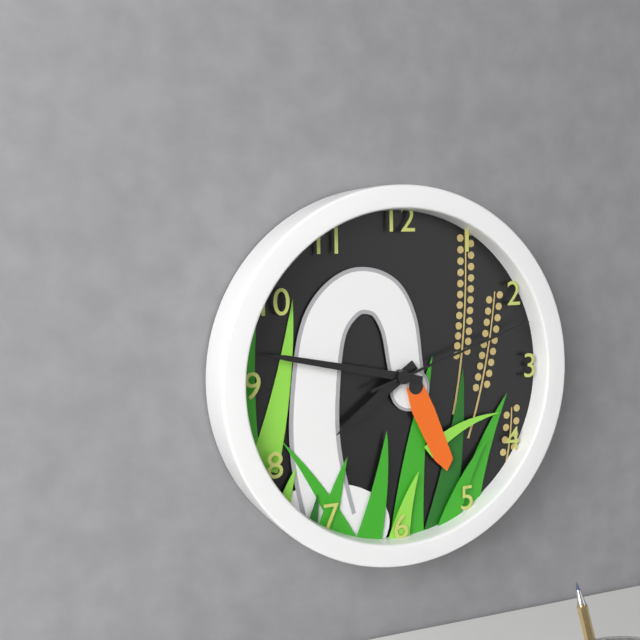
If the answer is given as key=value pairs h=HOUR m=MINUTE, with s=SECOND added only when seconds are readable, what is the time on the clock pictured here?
h=7 m=47 s=12
